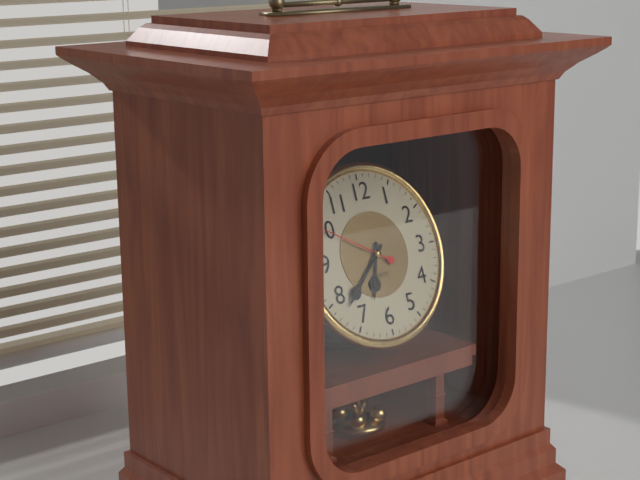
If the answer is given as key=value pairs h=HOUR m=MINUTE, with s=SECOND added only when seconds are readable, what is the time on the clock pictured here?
h=6 m=38 s=50
